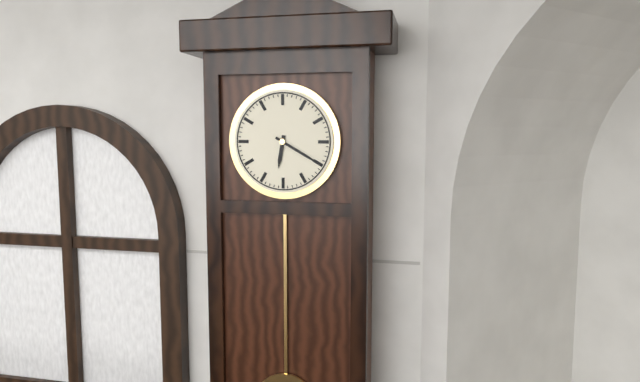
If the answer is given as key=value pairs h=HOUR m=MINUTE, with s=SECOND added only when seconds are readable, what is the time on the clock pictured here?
h=6 m=20
